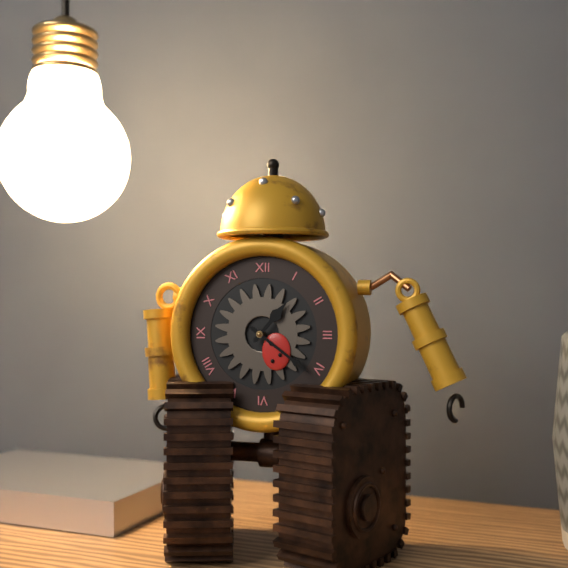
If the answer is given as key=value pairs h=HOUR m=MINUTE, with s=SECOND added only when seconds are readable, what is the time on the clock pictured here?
h=1 m=21
